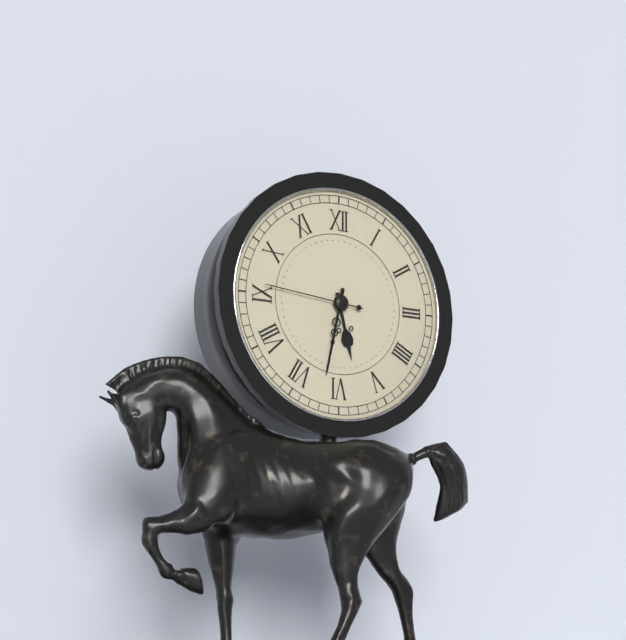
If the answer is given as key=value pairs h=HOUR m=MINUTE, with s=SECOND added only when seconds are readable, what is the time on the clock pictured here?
h=5 m=32 s=46
